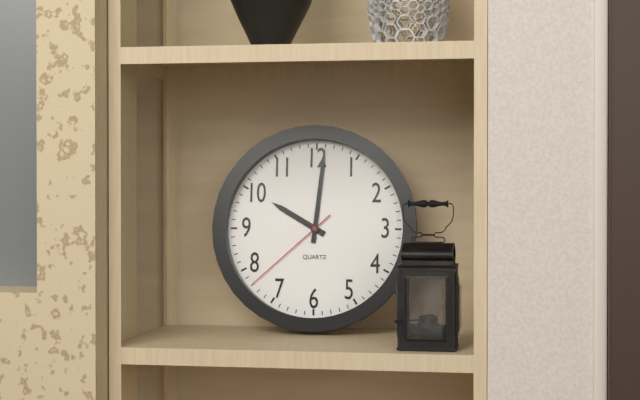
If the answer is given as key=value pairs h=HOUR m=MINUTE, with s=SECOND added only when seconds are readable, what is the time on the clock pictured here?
h=10 m=1 s=38
